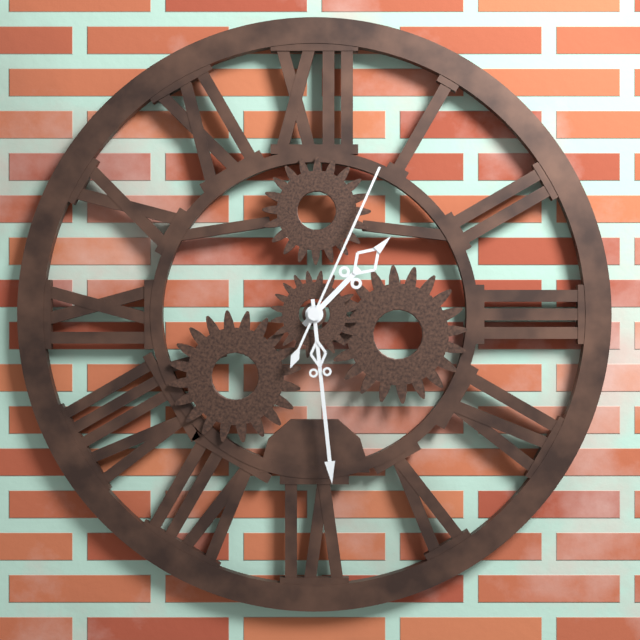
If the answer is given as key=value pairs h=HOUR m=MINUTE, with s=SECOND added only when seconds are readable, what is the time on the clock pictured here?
h=1 m=29 s=4
